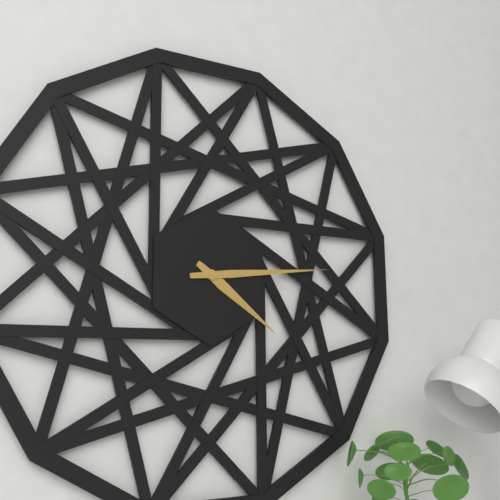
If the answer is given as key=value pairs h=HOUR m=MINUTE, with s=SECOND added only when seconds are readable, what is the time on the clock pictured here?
h=4 m=14
